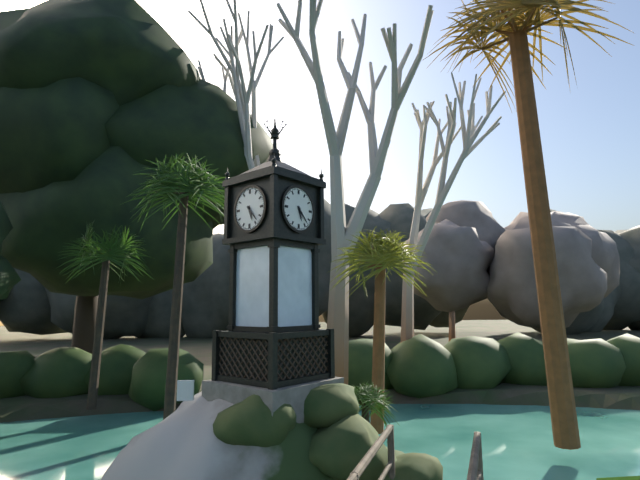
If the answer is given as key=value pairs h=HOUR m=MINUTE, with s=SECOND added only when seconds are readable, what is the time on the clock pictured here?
h=5 m=23
